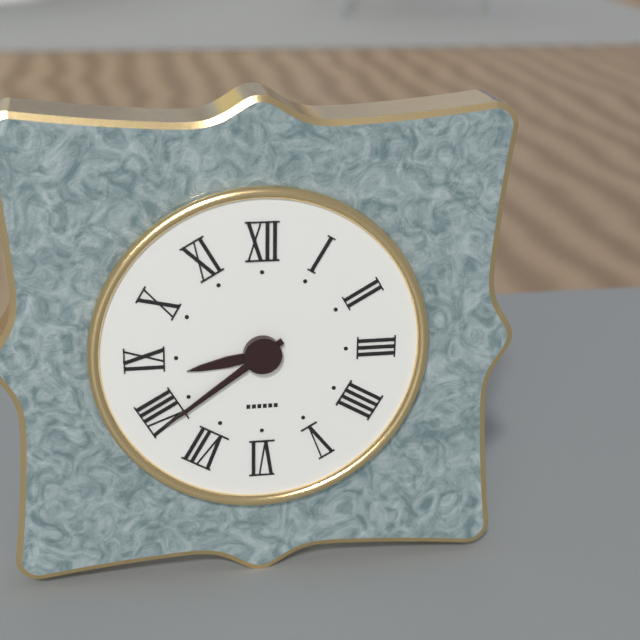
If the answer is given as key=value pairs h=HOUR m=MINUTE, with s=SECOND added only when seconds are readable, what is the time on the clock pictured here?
h=8 m=39
